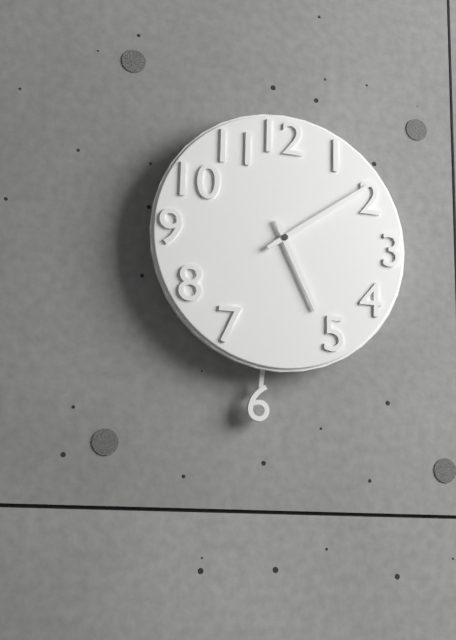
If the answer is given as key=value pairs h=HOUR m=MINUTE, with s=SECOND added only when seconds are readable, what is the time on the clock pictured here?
h=5 m=9
